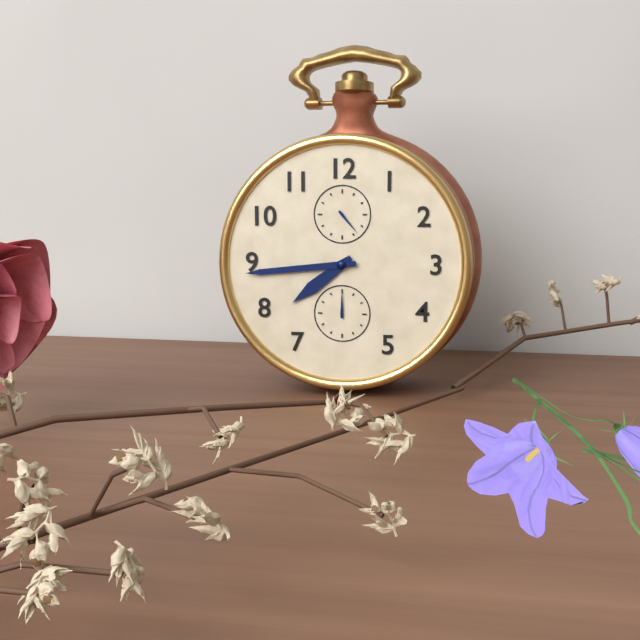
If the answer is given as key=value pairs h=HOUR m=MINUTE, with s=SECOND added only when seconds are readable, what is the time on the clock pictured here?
h=7 m=44
